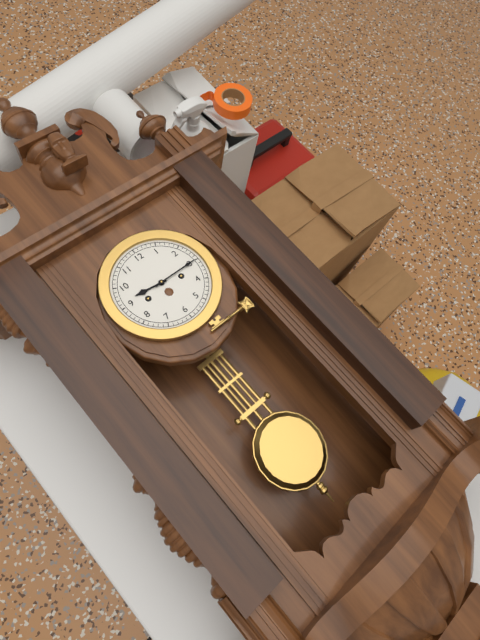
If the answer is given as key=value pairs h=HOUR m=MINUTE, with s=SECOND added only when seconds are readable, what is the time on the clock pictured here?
h=9 m=15
